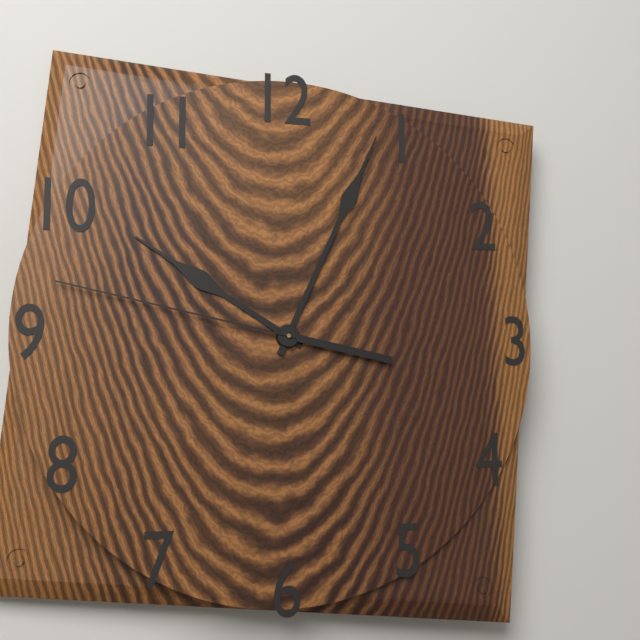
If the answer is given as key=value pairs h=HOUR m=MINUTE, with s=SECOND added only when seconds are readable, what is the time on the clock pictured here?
h=10 m=4 s=47
